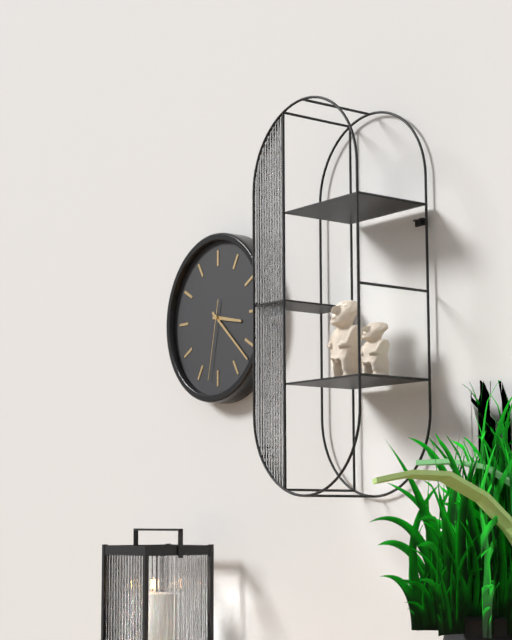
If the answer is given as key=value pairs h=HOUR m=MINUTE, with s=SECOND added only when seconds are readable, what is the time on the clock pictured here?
h=3 m=22 s=32
